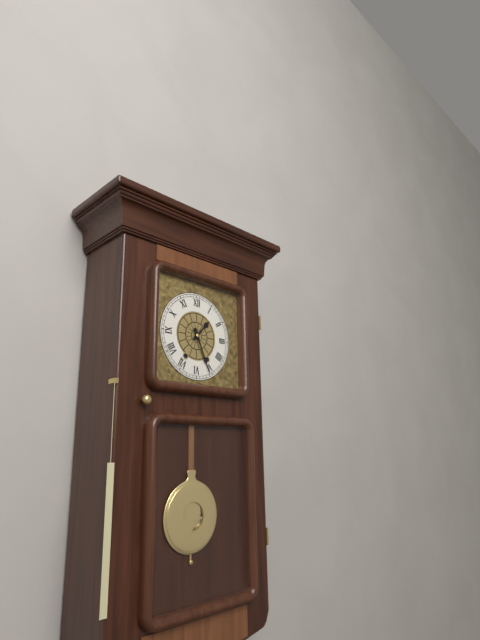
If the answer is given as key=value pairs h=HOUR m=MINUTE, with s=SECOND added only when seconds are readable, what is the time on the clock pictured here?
h=1 m=26
